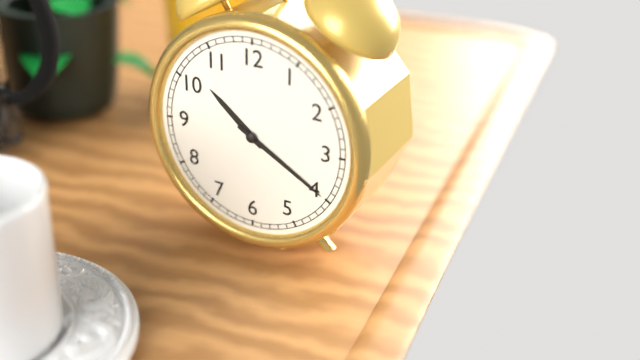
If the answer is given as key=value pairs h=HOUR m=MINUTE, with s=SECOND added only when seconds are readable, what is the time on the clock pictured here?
h=10 m=20
